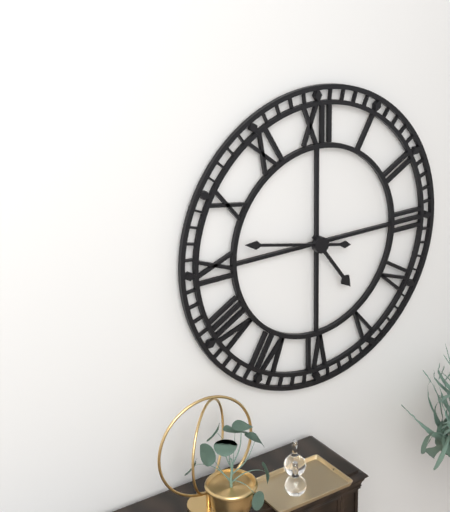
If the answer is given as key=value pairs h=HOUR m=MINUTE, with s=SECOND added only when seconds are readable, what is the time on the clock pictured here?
h=4 m=47
